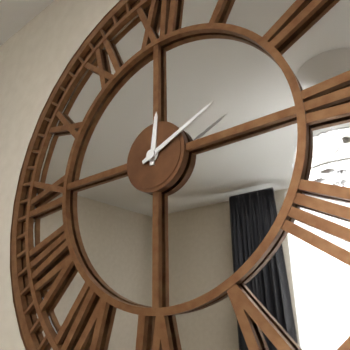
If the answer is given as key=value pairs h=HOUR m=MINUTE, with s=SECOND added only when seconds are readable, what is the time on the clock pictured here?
h=12 m=11
